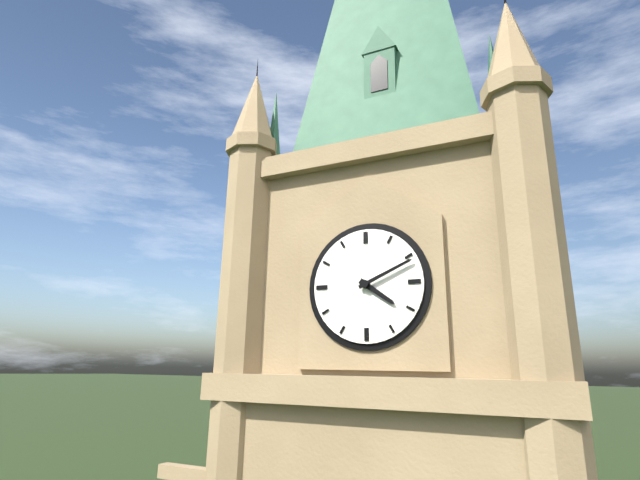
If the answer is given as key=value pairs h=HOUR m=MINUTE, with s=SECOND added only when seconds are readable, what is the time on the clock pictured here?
h=4 m=11
